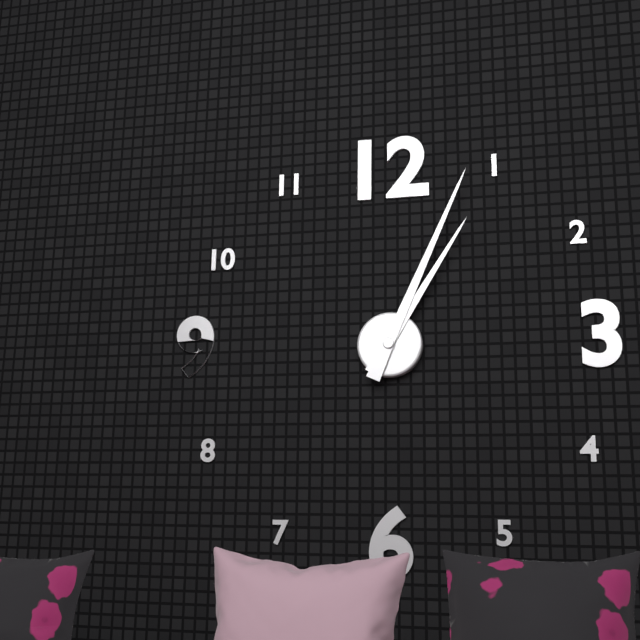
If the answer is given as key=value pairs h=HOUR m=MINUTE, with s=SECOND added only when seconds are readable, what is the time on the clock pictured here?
h=1 m=4
